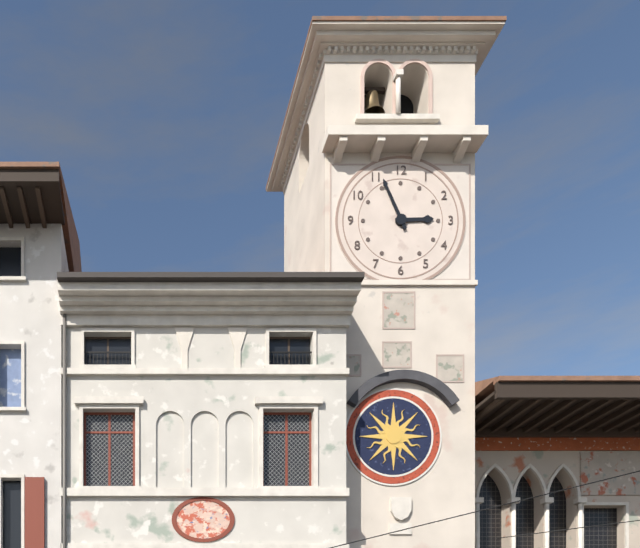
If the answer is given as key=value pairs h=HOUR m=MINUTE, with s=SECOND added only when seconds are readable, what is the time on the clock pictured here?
h=2 m=56
